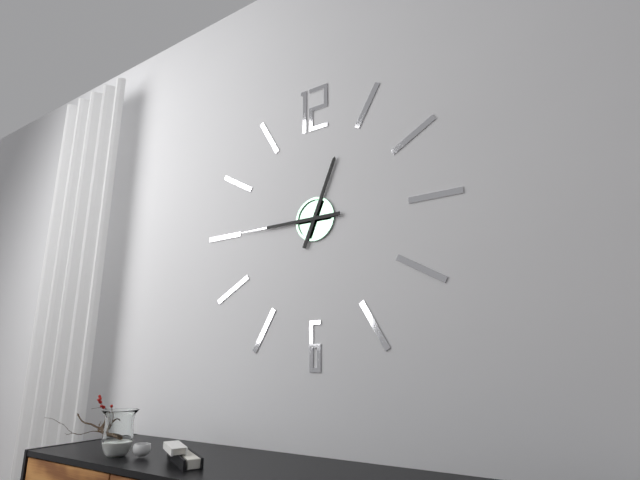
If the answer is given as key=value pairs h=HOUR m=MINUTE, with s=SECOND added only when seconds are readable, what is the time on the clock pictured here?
h=12 m=45
